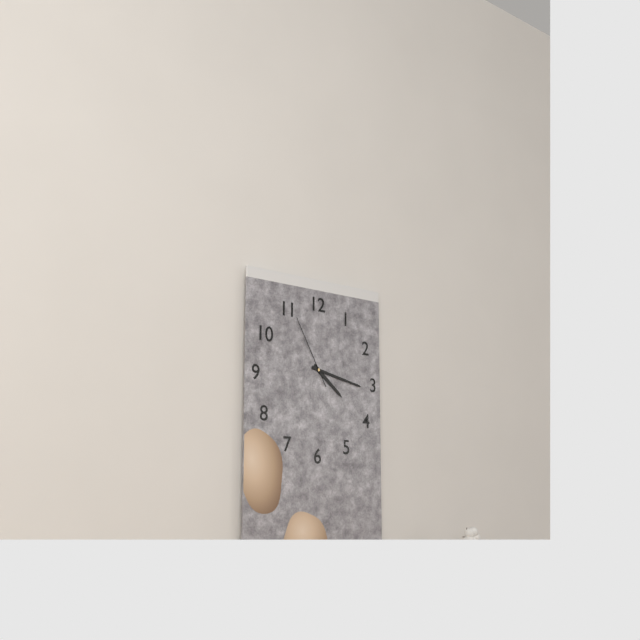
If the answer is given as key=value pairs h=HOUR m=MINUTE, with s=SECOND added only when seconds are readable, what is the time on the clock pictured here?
h=4 m=17 s=55
